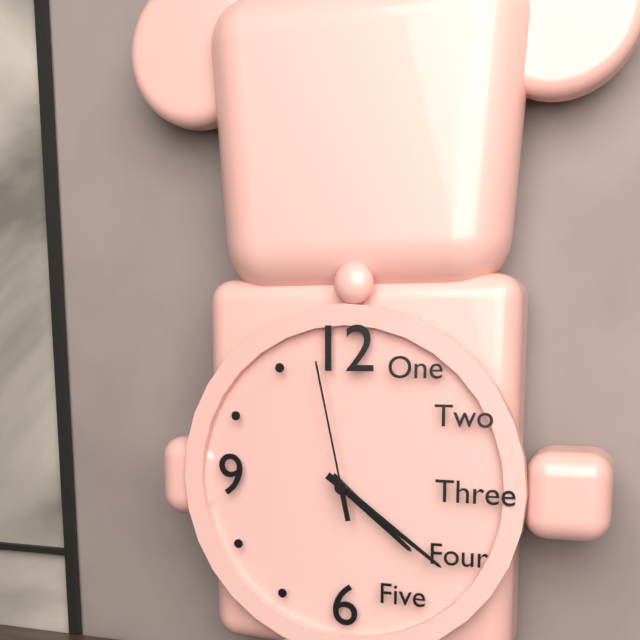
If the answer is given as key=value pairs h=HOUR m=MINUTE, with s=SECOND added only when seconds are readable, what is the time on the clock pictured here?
h=4 m=21 s=58
